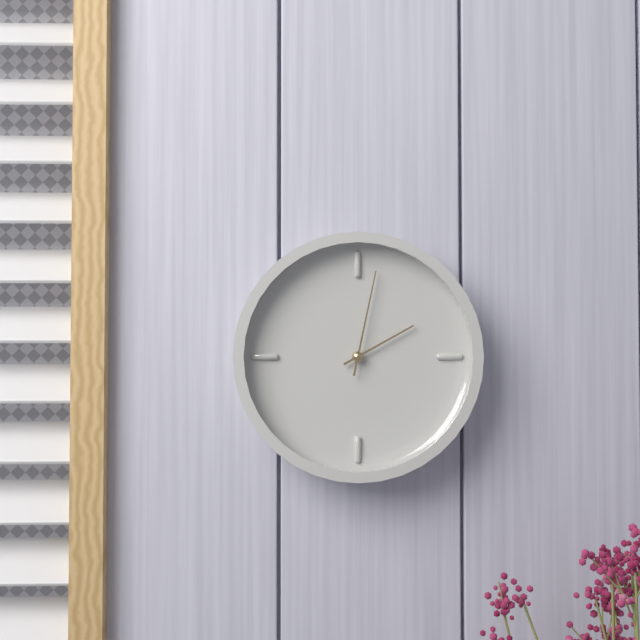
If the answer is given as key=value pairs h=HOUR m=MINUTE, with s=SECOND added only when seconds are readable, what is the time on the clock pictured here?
h=2 m=2
